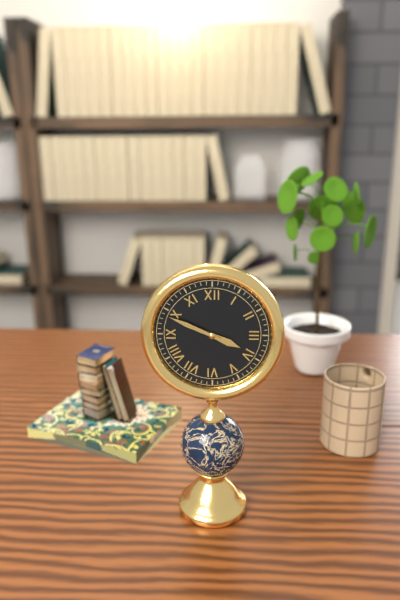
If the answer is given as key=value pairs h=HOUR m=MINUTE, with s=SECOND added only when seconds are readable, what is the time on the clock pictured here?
h=3 m=49
